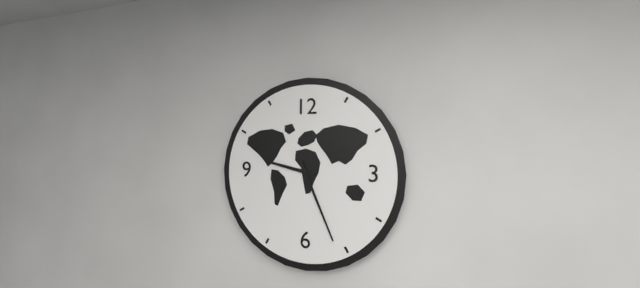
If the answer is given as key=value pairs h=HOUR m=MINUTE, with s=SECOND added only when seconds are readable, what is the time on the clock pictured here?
h=9 m=26
